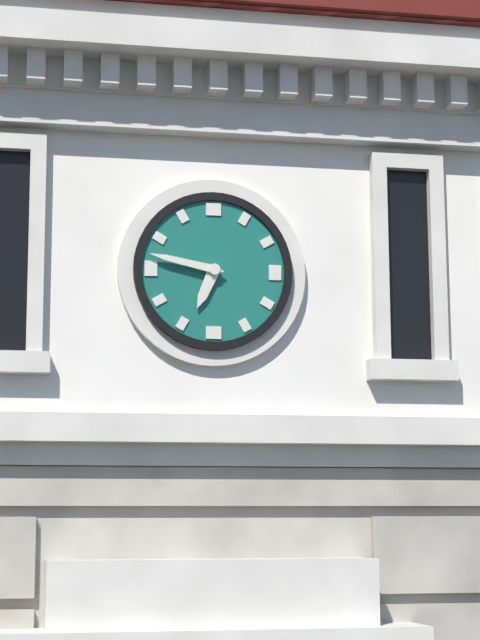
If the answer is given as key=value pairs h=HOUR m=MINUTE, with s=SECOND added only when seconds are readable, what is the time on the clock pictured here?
h=6 m=47
